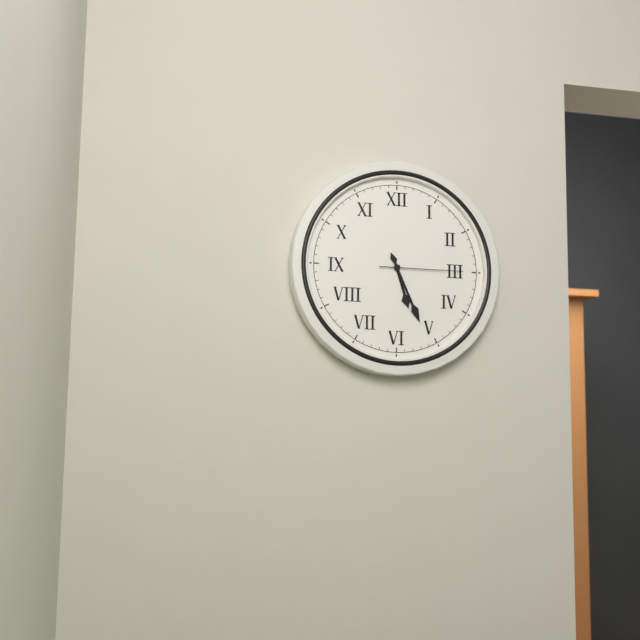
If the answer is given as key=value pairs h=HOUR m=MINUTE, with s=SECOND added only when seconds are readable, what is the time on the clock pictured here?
h=5 m=26 s=15
